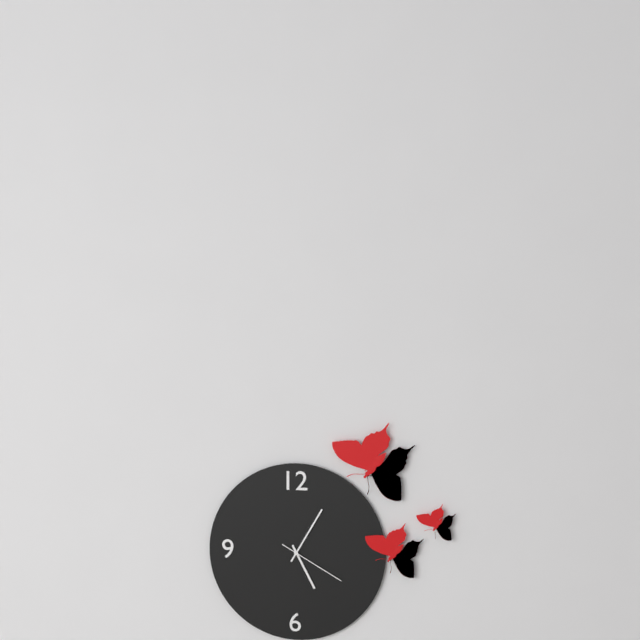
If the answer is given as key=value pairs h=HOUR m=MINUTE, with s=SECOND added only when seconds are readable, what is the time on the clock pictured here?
h=5 m=5 s=20
